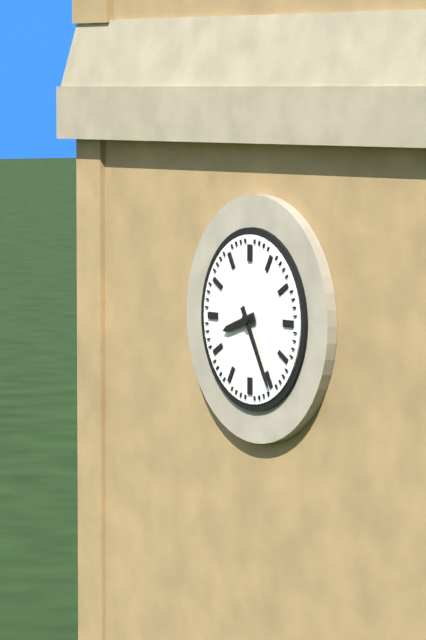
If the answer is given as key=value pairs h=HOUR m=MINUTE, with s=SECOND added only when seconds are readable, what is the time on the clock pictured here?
h=8 m=25
